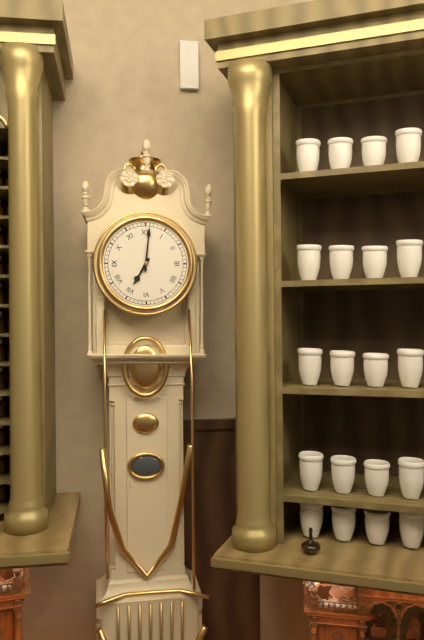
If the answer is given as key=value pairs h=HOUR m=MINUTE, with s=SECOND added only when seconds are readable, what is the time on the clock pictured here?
h=7 m=1
